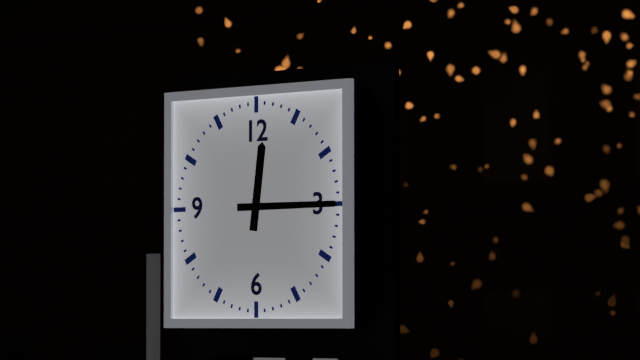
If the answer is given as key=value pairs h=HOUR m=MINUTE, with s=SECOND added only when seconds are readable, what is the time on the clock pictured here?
h=12 m=15
